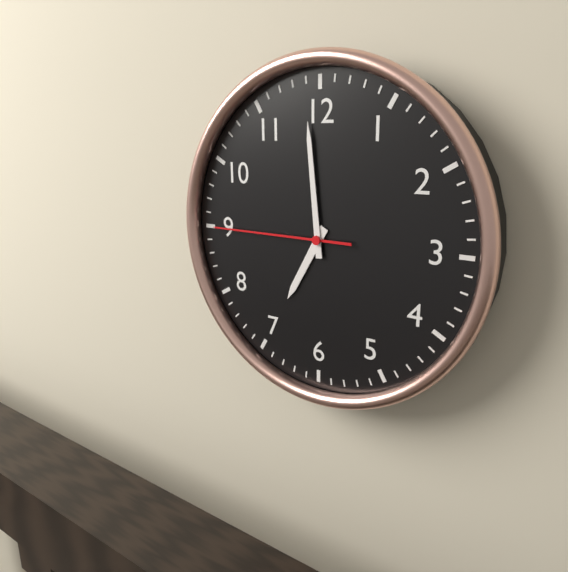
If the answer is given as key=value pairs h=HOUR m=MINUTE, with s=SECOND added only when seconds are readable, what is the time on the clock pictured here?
h=6 m=59 s=45
